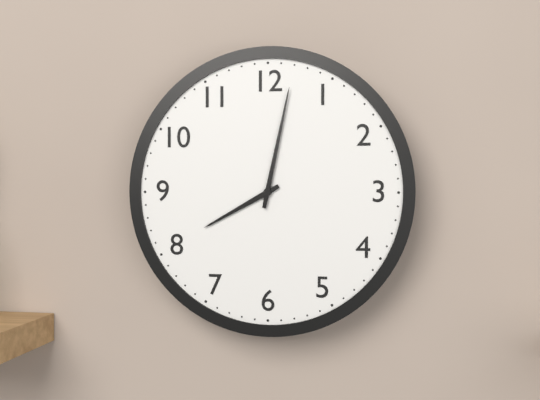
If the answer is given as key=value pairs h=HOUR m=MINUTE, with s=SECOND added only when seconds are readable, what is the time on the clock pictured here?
h=8 m=2
